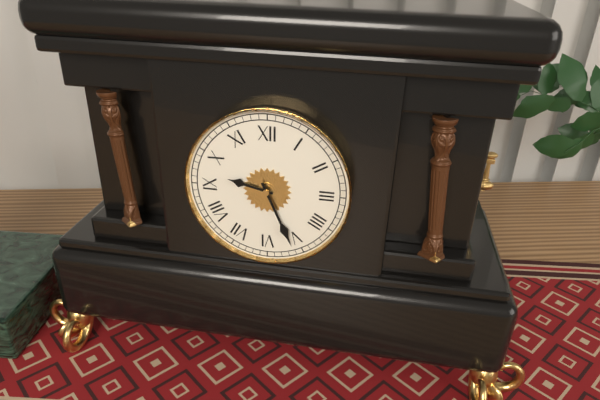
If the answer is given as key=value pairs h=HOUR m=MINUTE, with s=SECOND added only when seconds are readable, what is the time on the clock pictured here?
h=9 m=26
